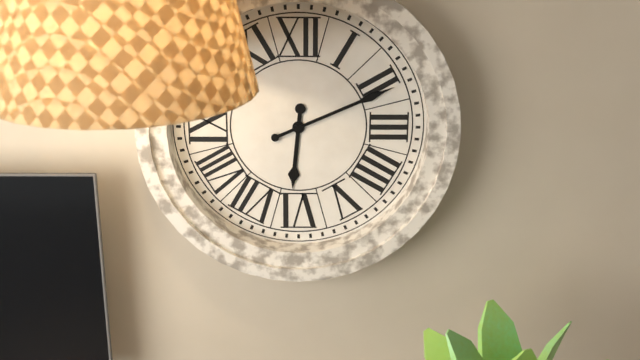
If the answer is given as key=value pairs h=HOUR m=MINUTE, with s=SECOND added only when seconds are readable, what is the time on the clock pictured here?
h=6 m=11
